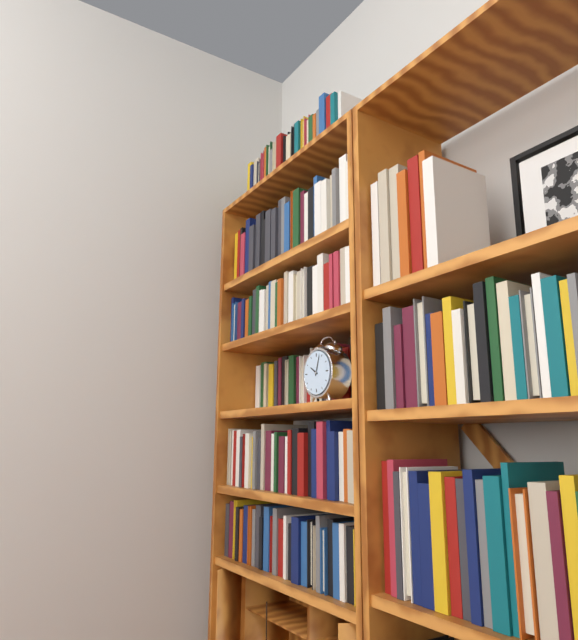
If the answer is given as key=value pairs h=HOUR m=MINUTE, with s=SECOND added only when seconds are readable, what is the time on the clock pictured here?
h=10 m=3
